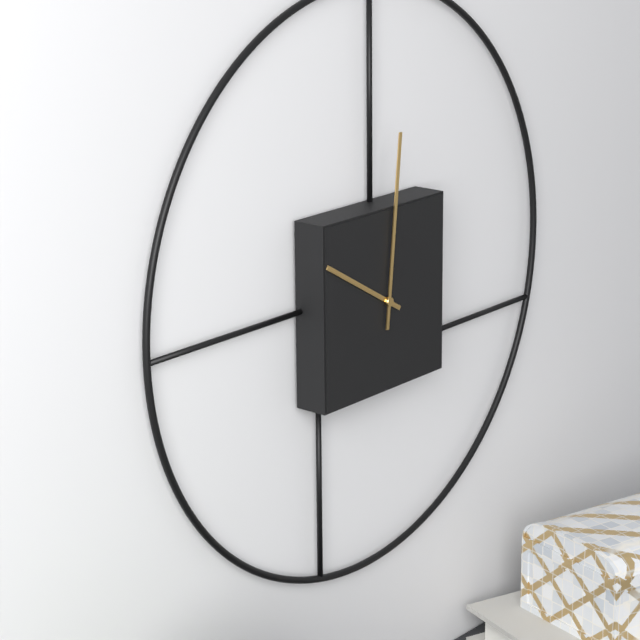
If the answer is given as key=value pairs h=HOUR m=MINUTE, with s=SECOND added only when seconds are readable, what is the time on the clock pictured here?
h=10 m=1
